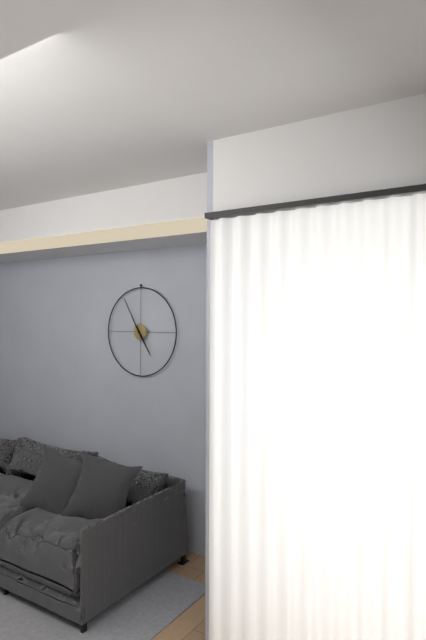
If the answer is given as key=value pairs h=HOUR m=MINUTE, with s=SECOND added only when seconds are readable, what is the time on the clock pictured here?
h=4 m=55
